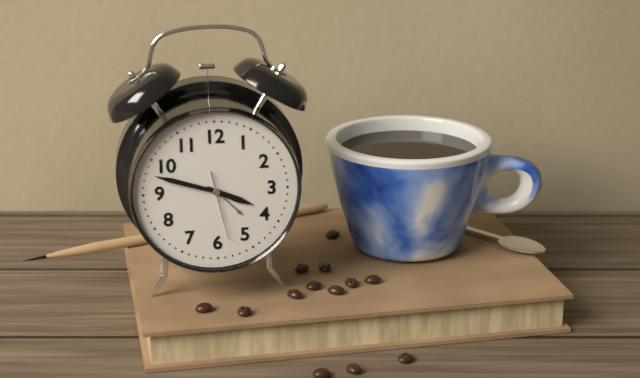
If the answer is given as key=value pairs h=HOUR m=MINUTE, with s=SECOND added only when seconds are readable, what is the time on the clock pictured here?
h=3 m=48 s=28
